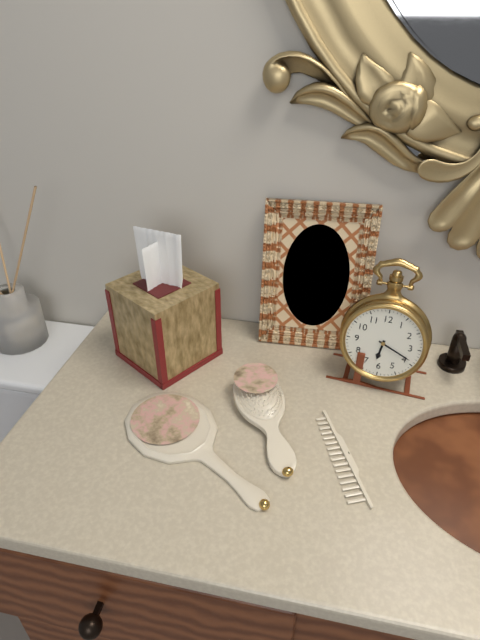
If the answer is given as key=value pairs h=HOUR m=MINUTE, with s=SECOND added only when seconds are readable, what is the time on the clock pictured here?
h=6 m=19
